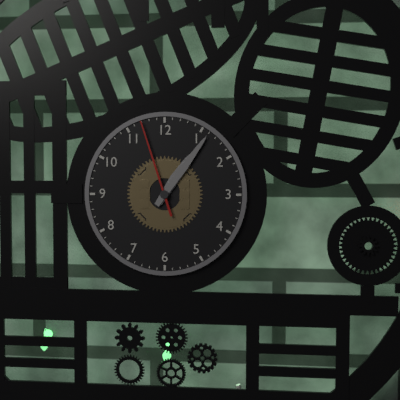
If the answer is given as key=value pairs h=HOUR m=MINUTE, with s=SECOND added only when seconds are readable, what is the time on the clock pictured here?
h=1 m=6 s=57
